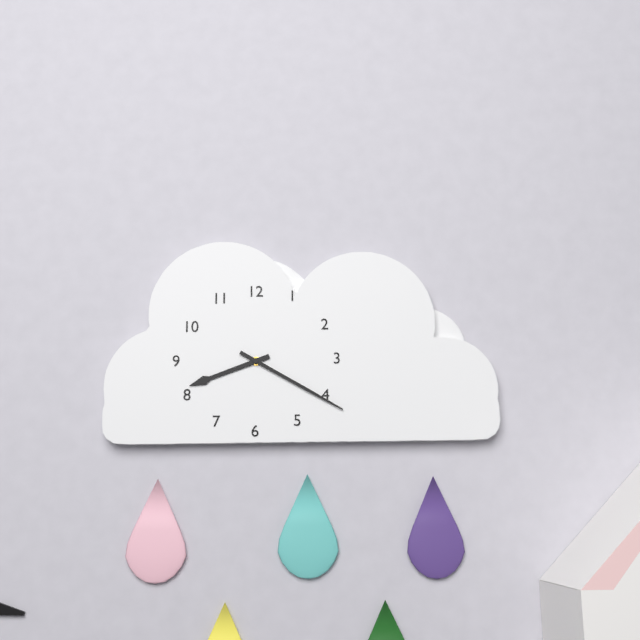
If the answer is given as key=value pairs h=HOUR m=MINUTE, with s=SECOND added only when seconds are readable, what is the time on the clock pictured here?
h=8 m=20
